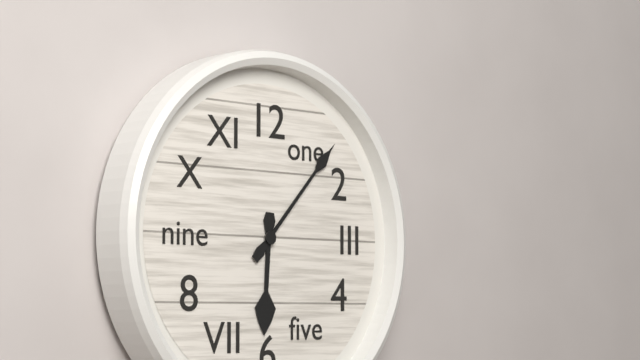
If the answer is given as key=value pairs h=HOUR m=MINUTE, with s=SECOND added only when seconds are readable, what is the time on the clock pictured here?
h=6 m=7
